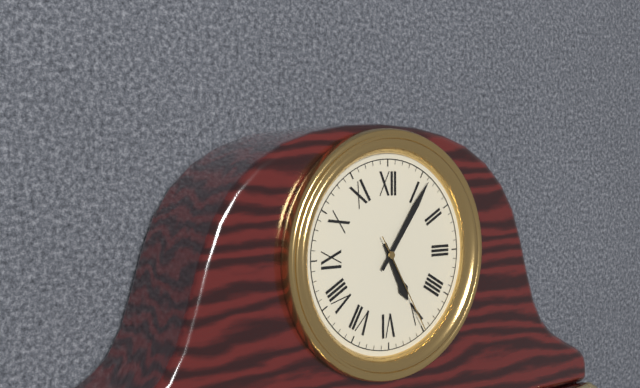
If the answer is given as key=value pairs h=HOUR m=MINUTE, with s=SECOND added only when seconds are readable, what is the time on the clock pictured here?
h=5 m=6 s=25
